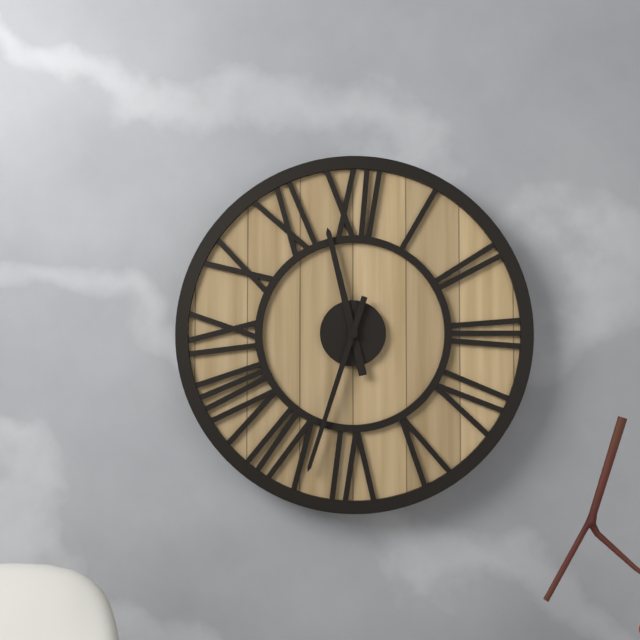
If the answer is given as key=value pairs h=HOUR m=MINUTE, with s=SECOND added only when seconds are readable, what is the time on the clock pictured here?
h=11 m=33
